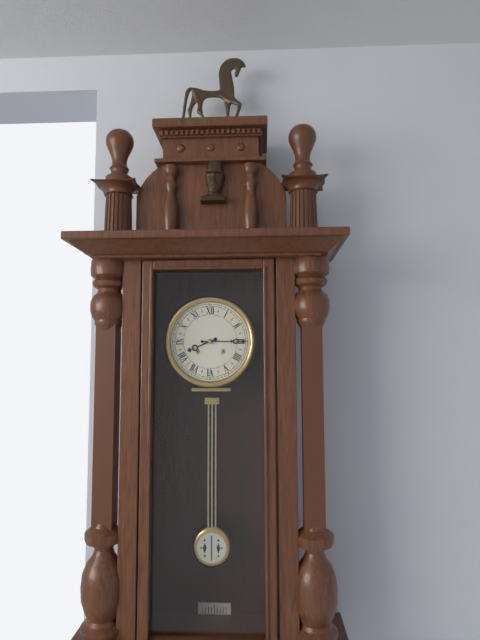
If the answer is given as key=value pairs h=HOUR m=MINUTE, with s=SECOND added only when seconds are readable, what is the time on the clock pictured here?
h=8 m=15
